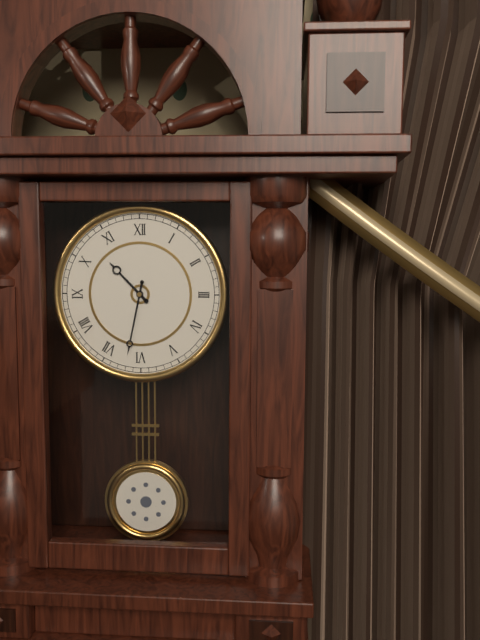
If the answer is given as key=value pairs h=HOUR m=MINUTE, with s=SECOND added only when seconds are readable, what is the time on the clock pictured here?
h=10 m=32
